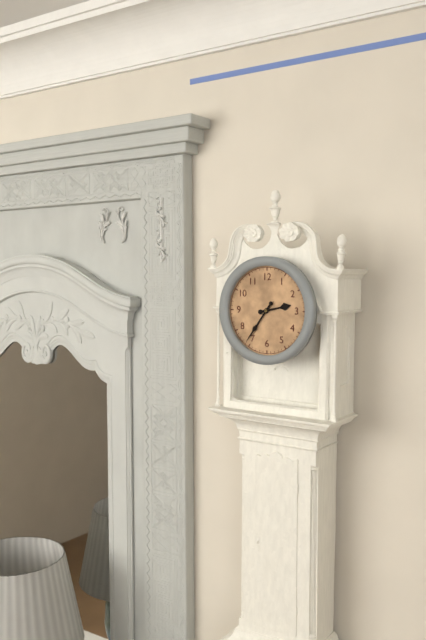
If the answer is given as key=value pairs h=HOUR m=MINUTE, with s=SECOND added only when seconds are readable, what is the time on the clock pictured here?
h=2 m=36
